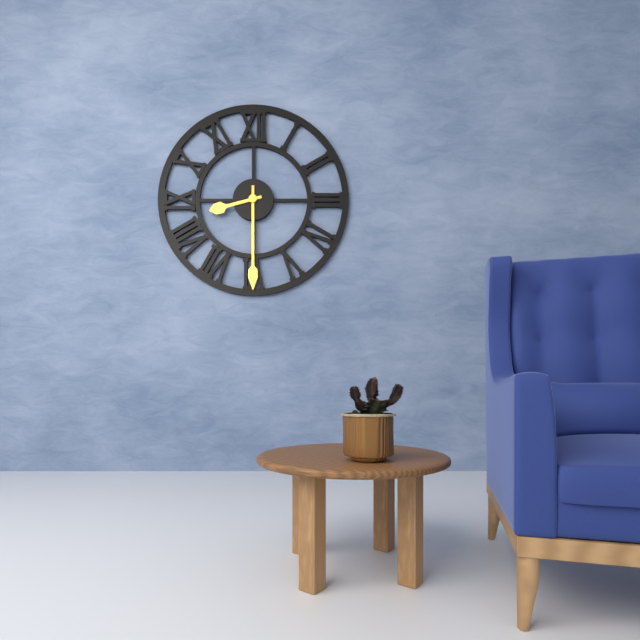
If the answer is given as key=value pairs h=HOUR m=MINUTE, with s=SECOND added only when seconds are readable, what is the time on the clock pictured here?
h=8 m=30
